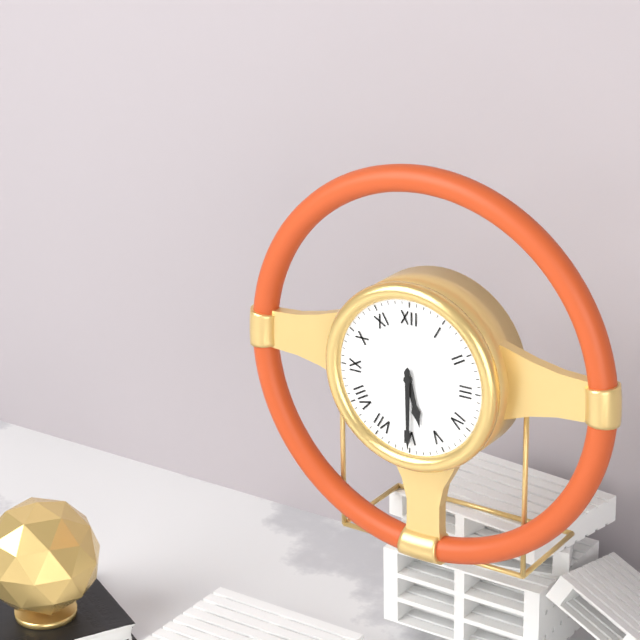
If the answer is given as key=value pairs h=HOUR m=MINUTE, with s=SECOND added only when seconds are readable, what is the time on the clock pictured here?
h=5 m=30
